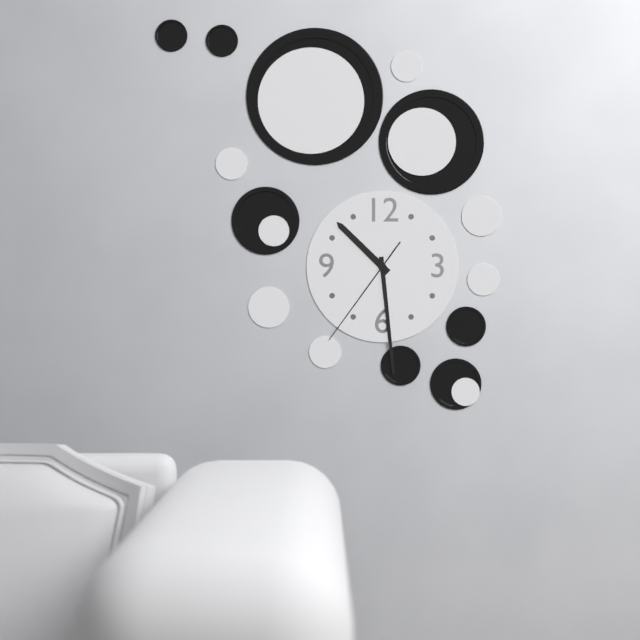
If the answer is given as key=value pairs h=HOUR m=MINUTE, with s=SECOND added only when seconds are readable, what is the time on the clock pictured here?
h=10 m=29 s=36
